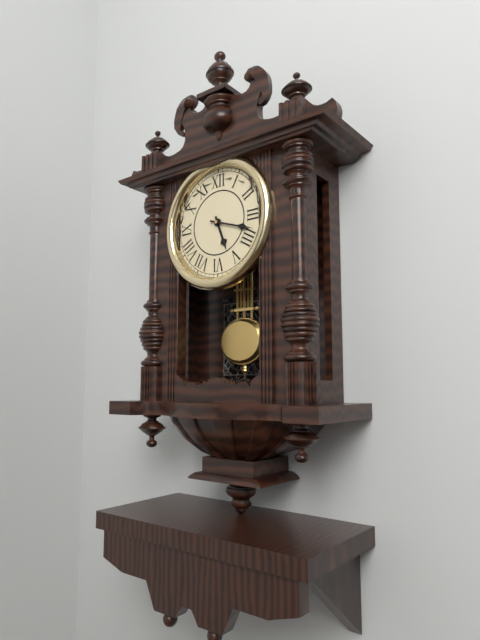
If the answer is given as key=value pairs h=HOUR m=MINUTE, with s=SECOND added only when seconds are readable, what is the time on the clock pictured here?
h=5 m=18
